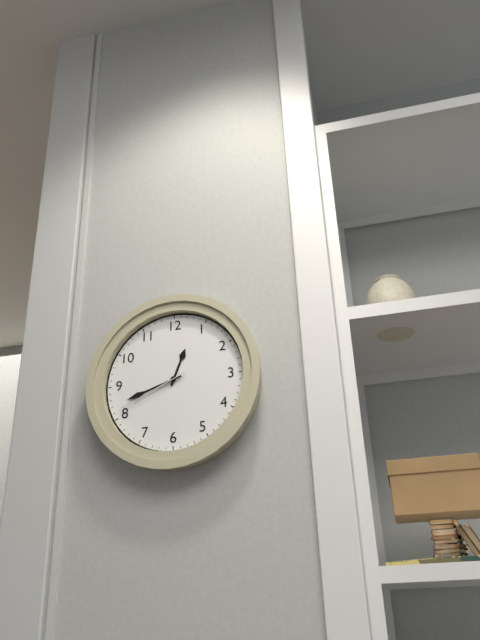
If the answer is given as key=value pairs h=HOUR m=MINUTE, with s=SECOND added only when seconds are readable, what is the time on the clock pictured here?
h=12 m=42 s=41
